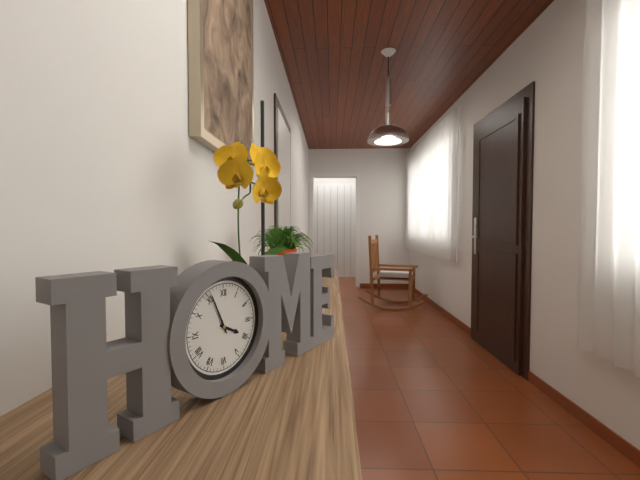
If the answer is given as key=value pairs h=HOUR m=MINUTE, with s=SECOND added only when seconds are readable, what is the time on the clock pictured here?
h=3 m=56
